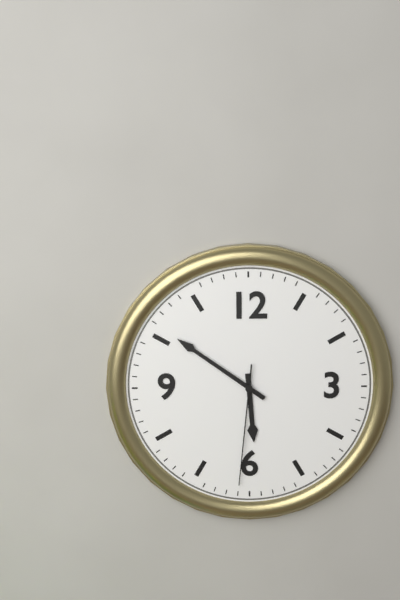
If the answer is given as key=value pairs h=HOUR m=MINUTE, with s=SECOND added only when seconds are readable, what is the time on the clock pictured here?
h=5 m=51 s=31
